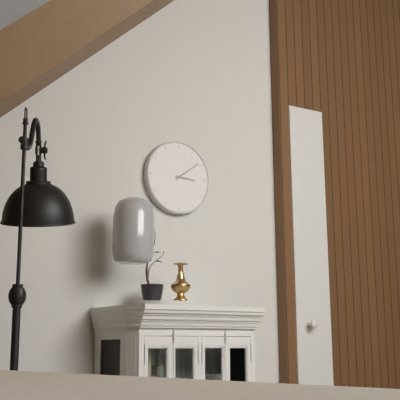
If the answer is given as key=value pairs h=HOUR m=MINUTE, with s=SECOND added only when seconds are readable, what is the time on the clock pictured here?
h=3 m=9
